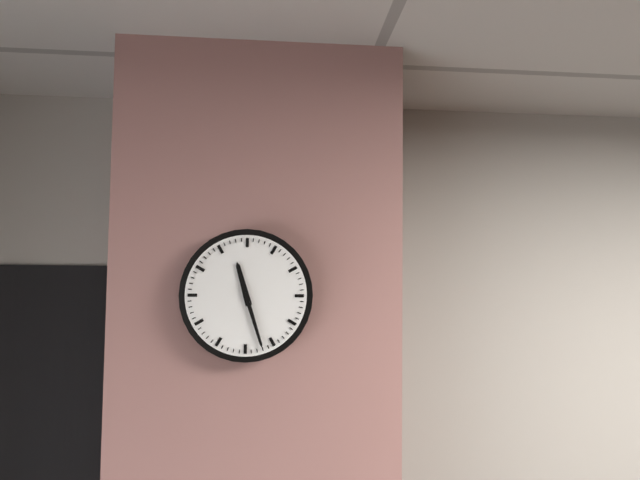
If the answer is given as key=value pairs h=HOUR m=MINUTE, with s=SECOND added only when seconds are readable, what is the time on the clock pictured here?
h=11 m=27
